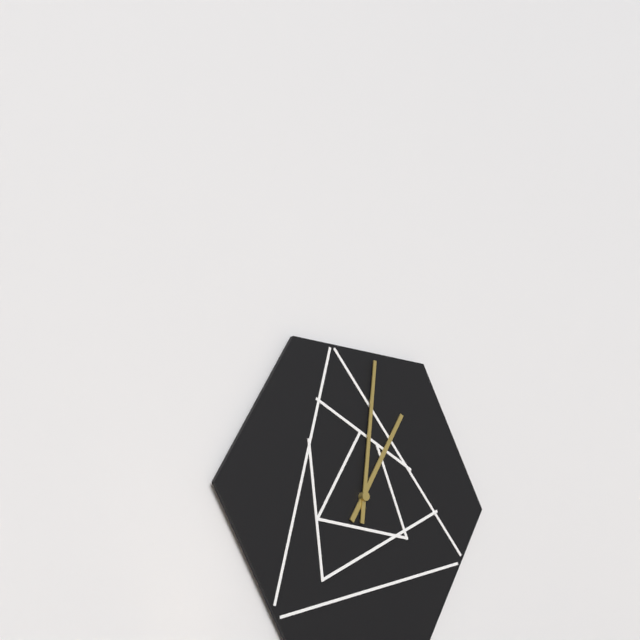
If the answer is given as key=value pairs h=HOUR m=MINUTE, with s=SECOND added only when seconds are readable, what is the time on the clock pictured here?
h=1 m=1
